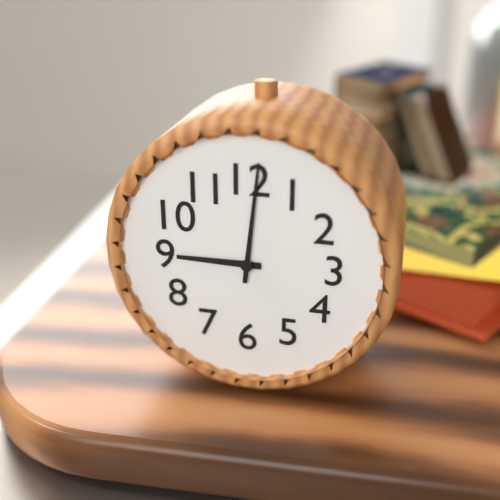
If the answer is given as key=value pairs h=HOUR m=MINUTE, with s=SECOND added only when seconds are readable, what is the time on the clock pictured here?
h=9 m=1
